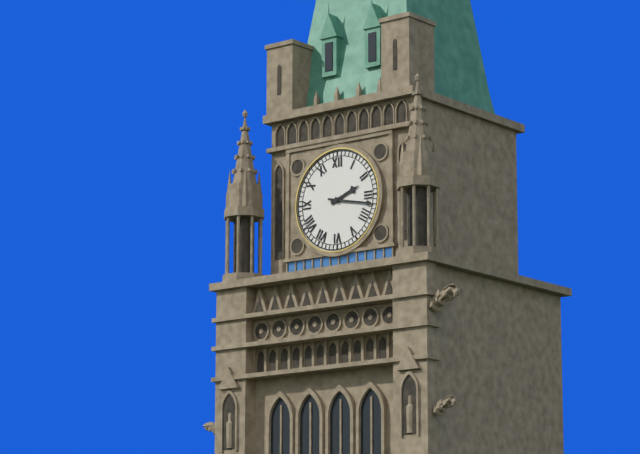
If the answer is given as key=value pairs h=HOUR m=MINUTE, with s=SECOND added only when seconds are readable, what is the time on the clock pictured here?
h=2 m=17
